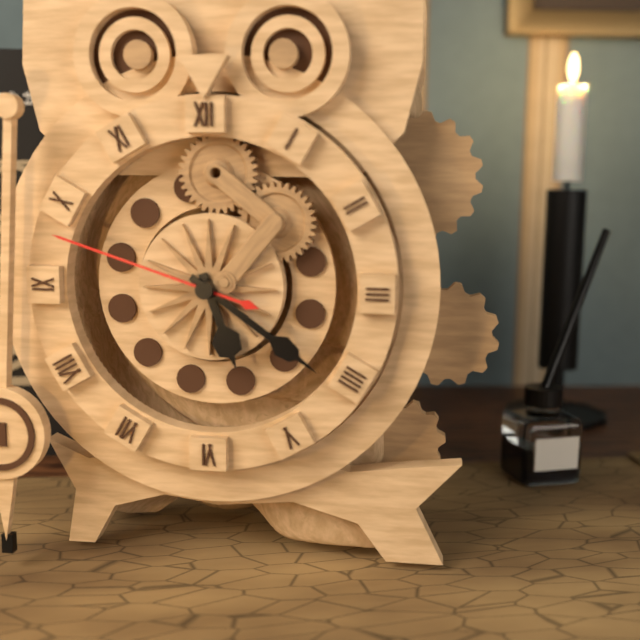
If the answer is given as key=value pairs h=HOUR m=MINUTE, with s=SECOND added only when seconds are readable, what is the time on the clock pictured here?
h=5 m=21 s=48
